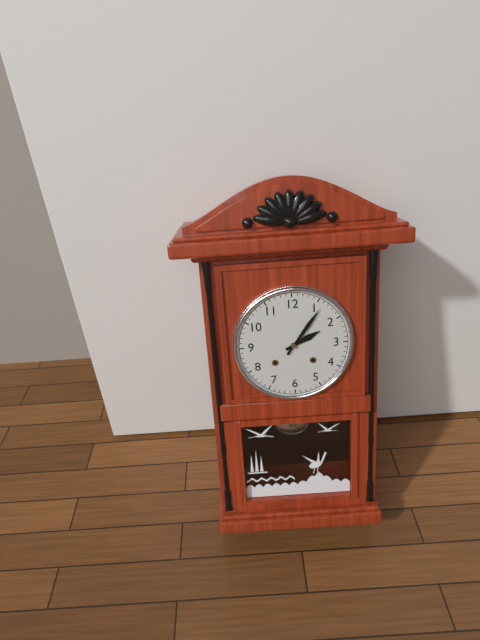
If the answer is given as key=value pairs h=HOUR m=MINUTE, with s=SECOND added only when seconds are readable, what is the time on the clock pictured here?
h=2 m=6
